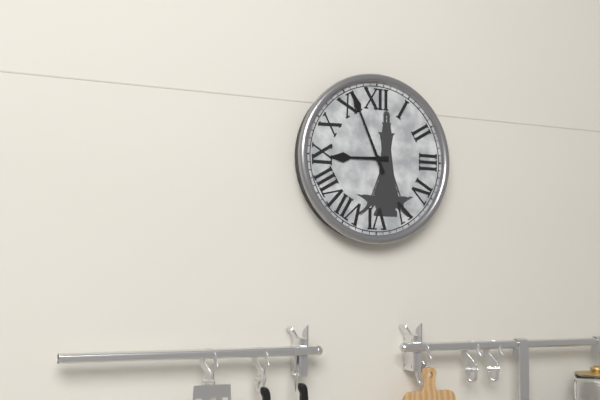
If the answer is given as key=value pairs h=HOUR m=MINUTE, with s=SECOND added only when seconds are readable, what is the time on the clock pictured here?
h=8 m=56
